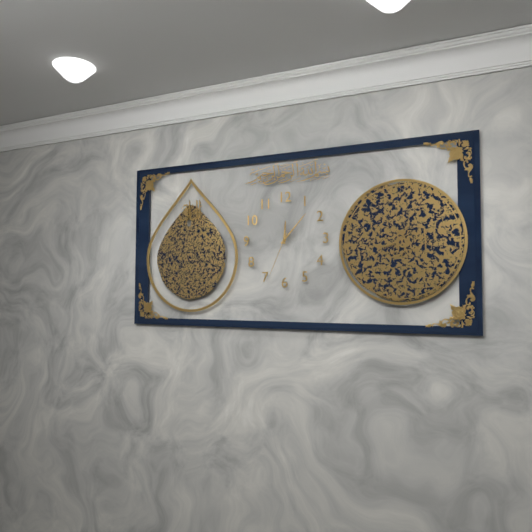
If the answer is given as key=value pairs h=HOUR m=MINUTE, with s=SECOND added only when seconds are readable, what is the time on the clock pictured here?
h=12 m=7
